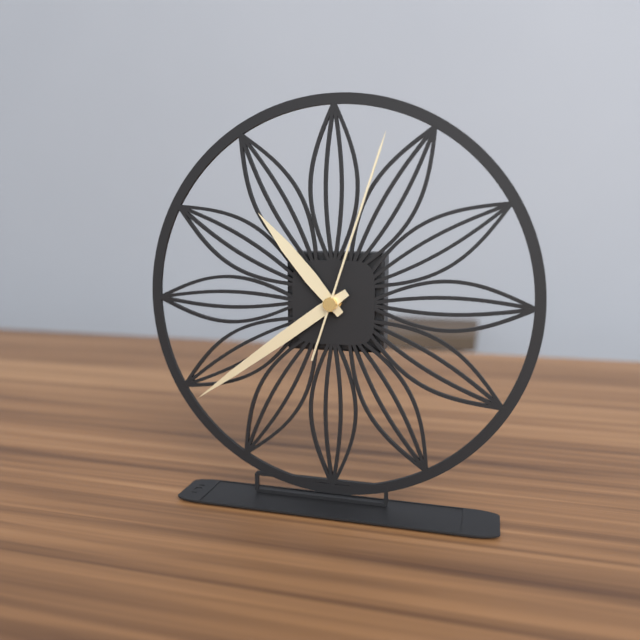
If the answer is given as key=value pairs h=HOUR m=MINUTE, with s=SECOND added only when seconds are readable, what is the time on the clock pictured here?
h=10 m=39 s=3
